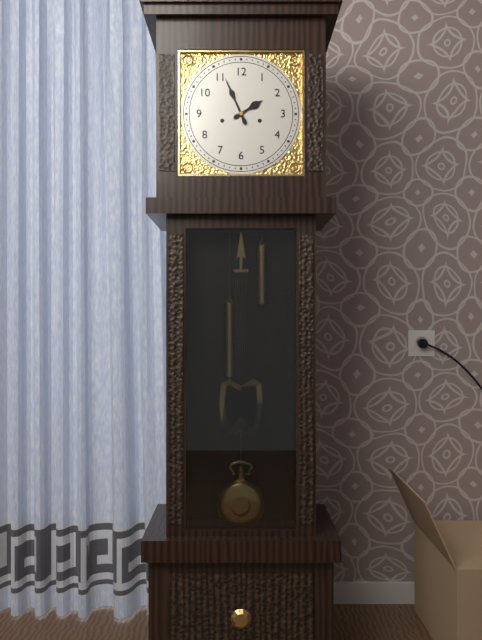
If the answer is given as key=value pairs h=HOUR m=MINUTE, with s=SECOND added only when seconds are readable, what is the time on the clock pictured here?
h=1 m=56
